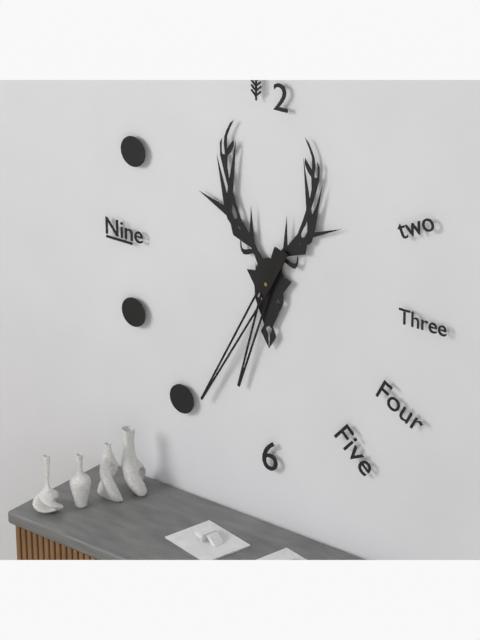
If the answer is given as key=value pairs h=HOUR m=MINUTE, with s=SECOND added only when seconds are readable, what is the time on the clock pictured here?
h=6 m=35
